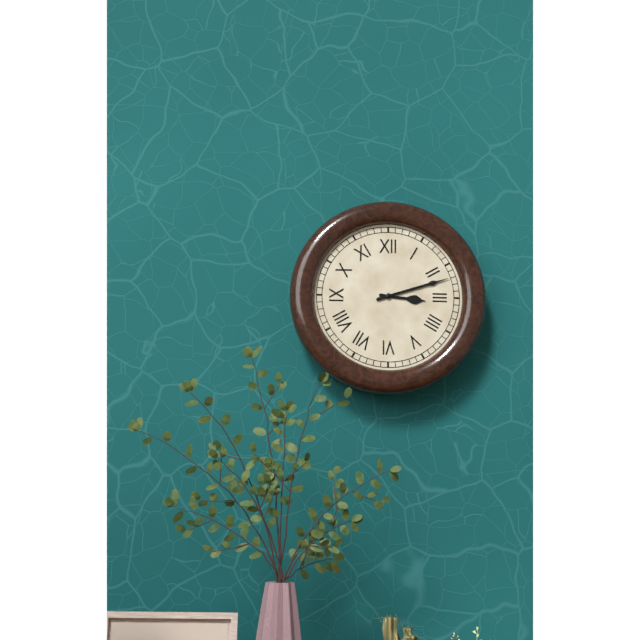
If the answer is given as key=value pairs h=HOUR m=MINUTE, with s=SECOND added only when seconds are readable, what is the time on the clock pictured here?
h=3 m=12
